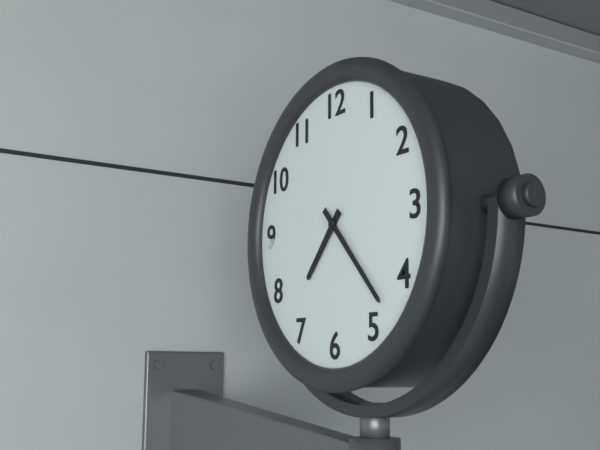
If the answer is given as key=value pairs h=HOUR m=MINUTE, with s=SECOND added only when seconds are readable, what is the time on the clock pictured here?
h=7 m=23
